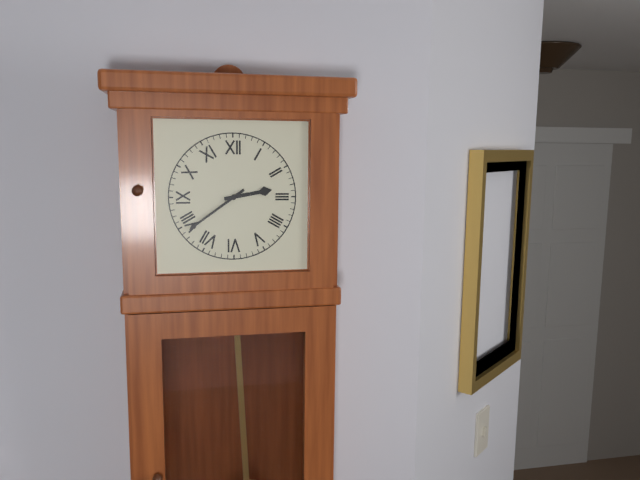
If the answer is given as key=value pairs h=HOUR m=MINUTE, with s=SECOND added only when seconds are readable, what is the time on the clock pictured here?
h=2 m=39
